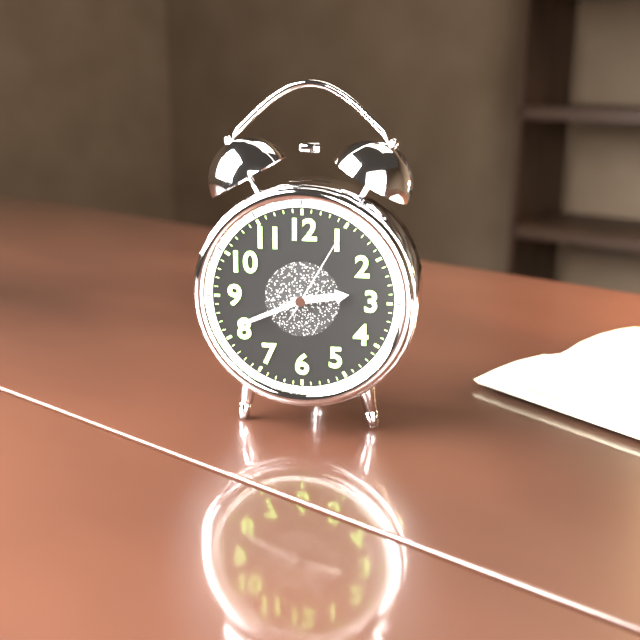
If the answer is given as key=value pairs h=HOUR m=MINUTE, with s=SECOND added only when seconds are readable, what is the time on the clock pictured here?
h=2 m=41 s=5
